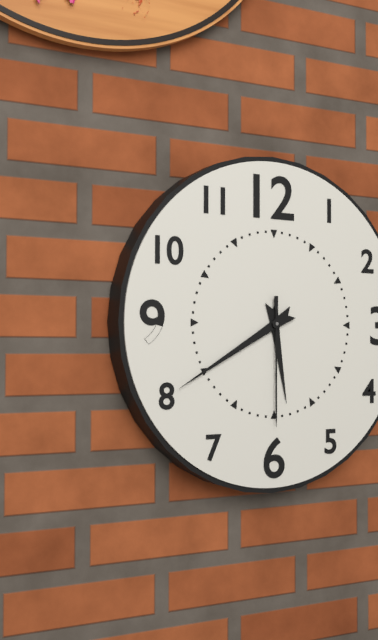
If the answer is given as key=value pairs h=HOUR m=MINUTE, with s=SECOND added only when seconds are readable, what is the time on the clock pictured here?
h=5 m=40 s=30
